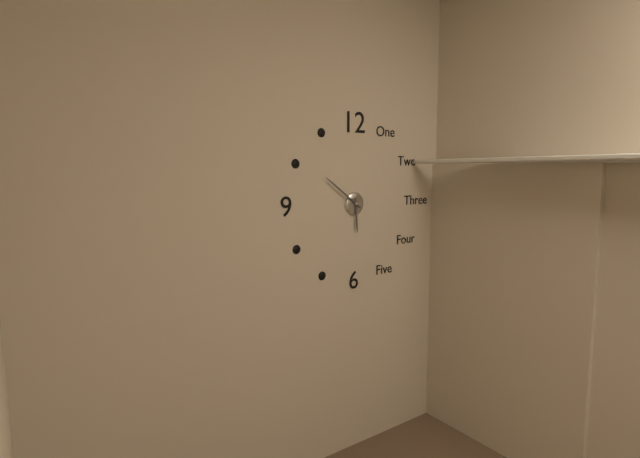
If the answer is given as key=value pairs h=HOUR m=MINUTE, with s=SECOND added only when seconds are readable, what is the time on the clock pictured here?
h=5 m=51
